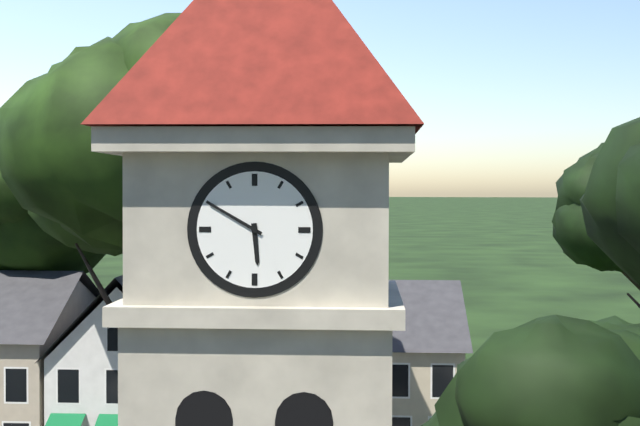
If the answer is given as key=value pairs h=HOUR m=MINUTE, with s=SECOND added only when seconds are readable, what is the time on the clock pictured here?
h=5 m=50
